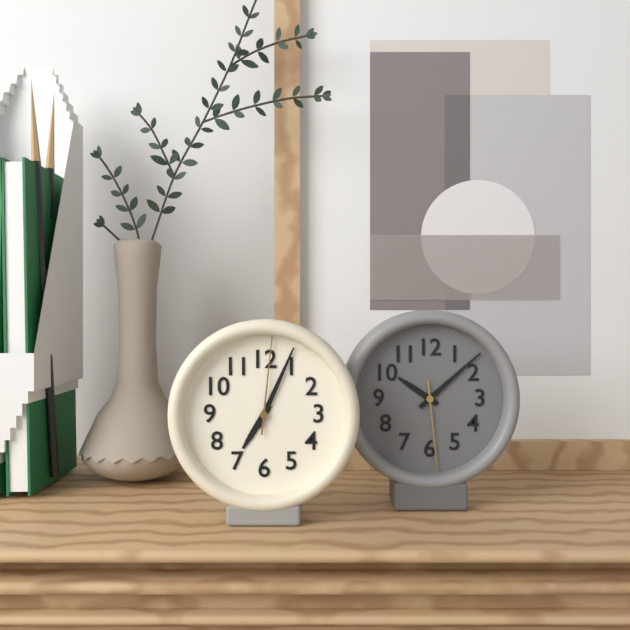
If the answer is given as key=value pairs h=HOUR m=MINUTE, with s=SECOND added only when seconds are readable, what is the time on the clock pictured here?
h=7 m=4 s=1
